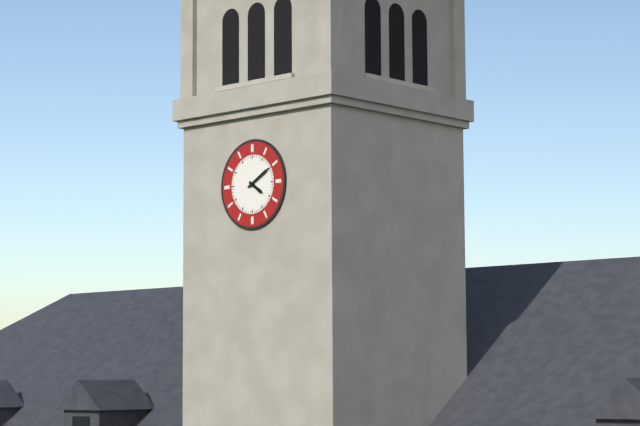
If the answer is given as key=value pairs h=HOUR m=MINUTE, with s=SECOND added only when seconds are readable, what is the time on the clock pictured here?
h=4 m=10
